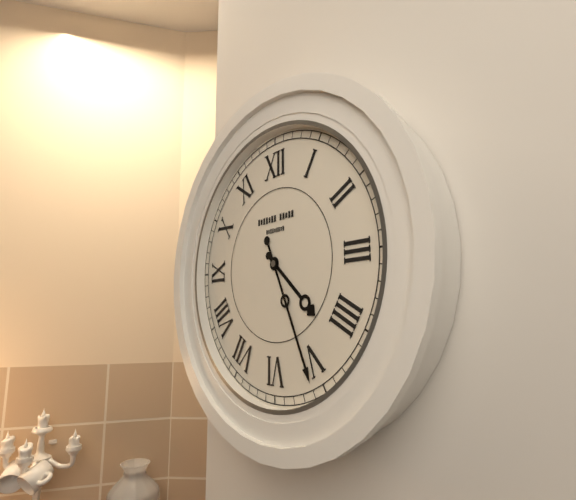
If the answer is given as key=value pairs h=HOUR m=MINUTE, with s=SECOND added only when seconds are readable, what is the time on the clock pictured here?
h=4 m=26
